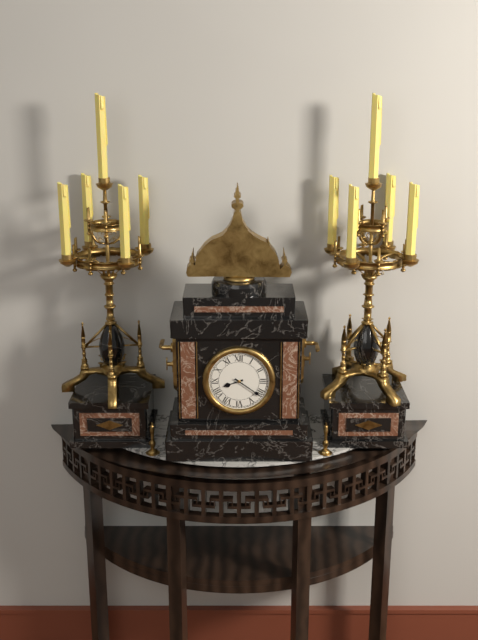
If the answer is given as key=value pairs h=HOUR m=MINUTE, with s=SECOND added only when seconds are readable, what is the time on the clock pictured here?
h=8 m=21
